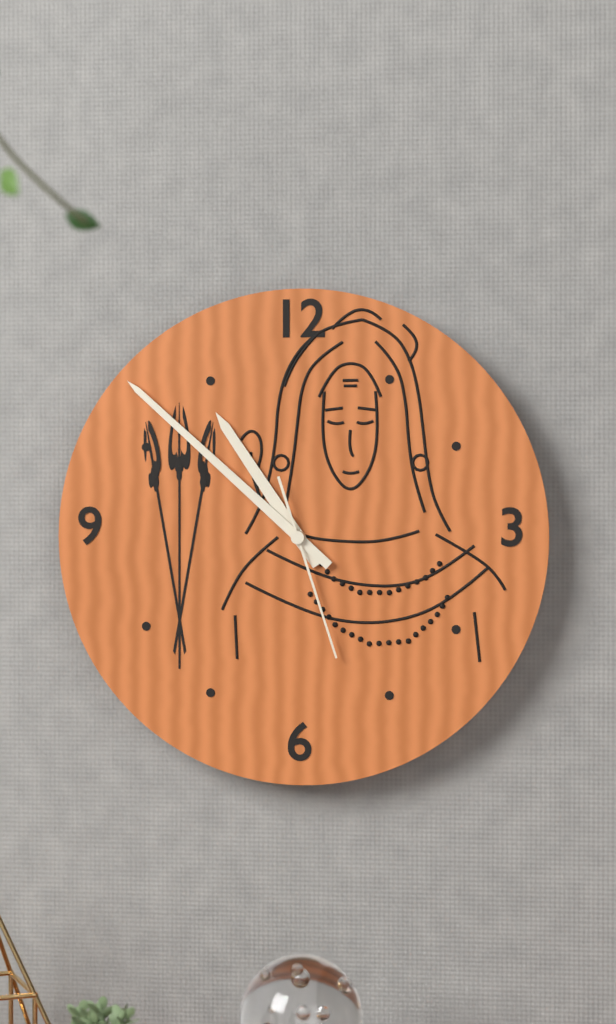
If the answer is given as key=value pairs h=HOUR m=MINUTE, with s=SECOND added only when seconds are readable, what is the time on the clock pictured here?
h=10 m=52 s=27
